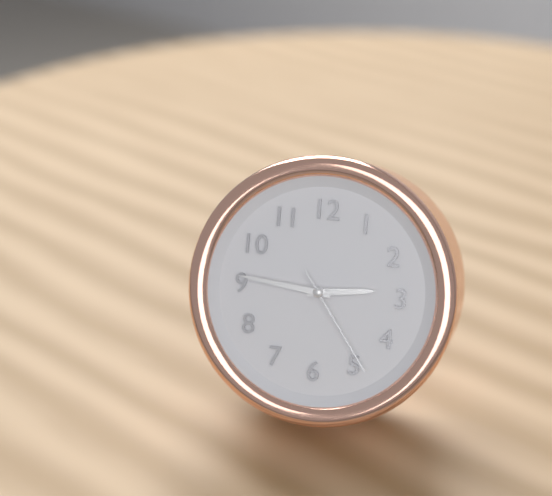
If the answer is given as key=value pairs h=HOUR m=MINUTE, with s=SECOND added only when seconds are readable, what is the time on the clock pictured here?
h=2 m=46 s=24
